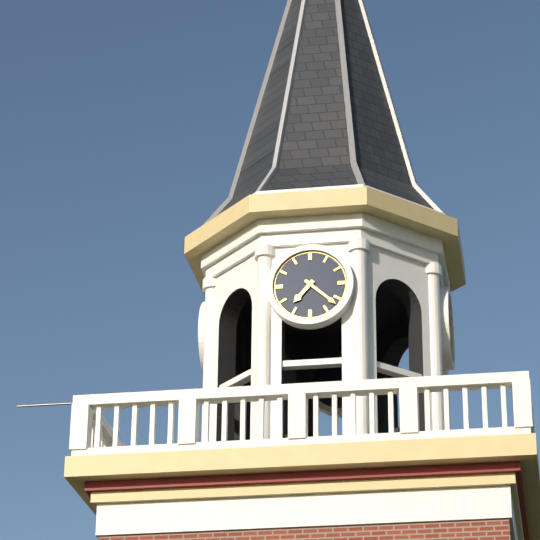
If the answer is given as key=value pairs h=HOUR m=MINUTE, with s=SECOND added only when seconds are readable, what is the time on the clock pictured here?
h=7 m=22
